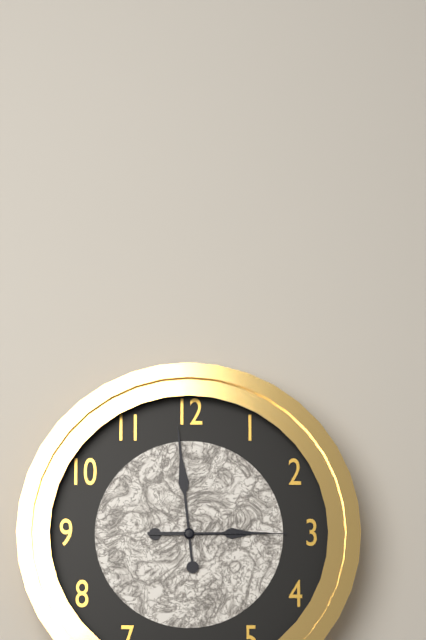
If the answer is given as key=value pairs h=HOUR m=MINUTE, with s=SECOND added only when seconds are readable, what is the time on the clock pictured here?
h=2 m=59 s=15
